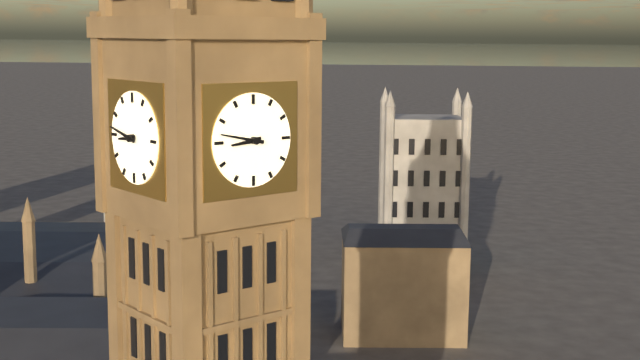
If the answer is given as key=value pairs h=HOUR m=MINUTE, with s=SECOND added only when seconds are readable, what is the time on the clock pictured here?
h=8 m=47
